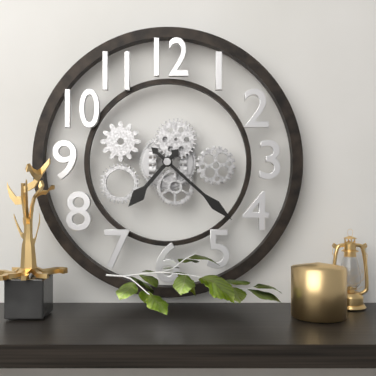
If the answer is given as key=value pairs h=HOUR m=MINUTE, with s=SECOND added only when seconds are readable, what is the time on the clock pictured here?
h=7 m=22
